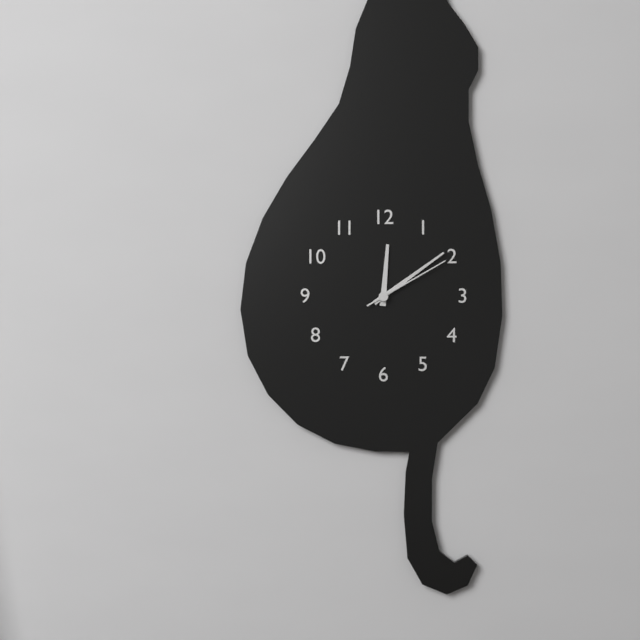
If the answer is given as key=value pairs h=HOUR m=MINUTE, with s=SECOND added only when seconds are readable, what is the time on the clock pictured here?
h=12 m=9 s=10
